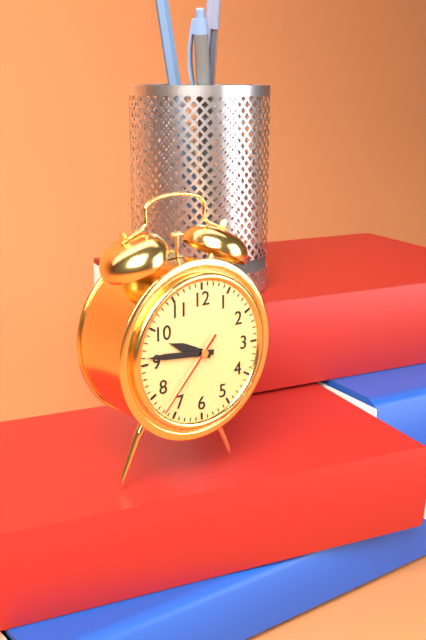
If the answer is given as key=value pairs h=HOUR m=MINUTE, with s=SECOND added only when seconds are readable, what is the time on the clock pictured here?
h=9 m=46 s=37
